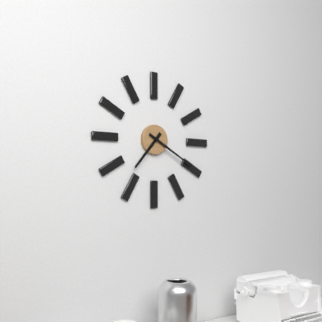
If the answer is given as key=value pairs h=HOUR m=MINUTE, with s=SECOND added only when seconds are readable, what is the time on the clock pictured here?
h=7 m=20
